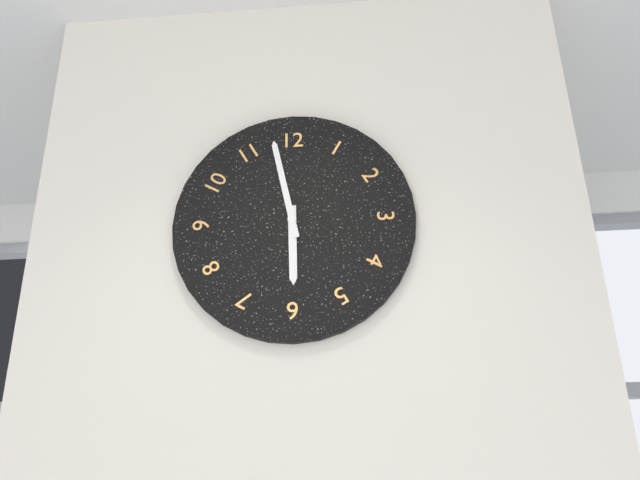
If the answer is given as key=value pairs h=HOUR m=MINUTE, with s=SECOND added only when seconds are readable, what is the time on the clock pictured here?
h=5 m=58
